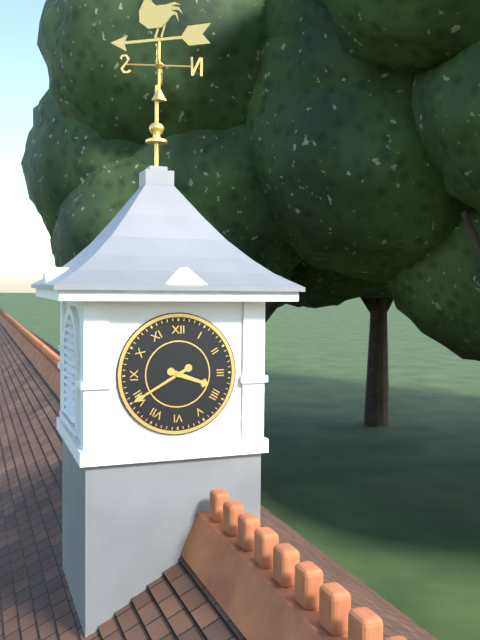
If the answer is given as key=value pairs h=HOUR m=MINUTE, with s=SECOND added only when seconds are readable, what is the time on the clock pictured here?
h=3 m=40
